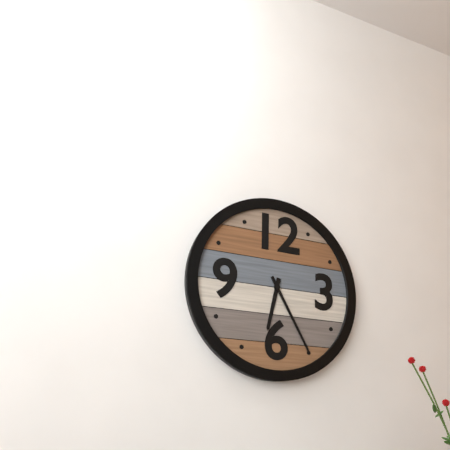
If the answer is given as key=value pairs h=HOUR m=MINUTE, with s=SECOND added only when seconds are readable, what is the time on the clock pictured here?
h=6 m=25
